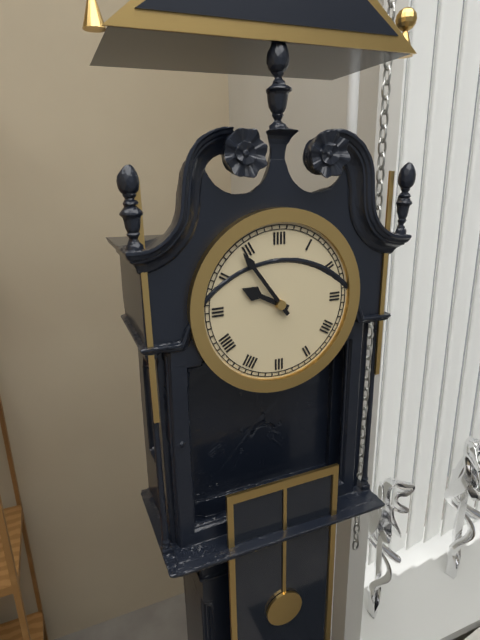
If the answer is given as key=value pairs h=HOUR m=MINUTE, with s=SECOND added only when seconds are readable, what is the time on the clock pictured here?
h=9 m=54
